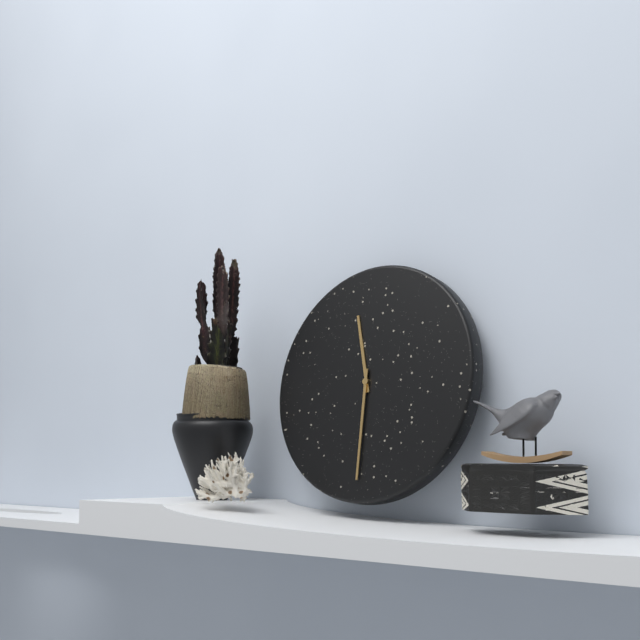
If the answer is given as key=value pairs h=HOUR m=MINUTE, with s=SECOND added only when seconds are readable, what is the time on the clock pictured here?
h=11 m=30
